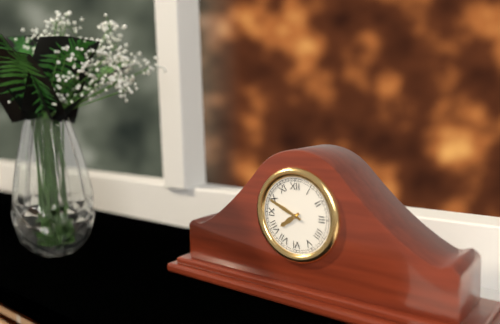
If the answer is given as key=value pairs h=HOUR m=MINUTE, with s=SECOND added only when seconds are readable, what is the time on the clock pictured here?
h=7 m=49
